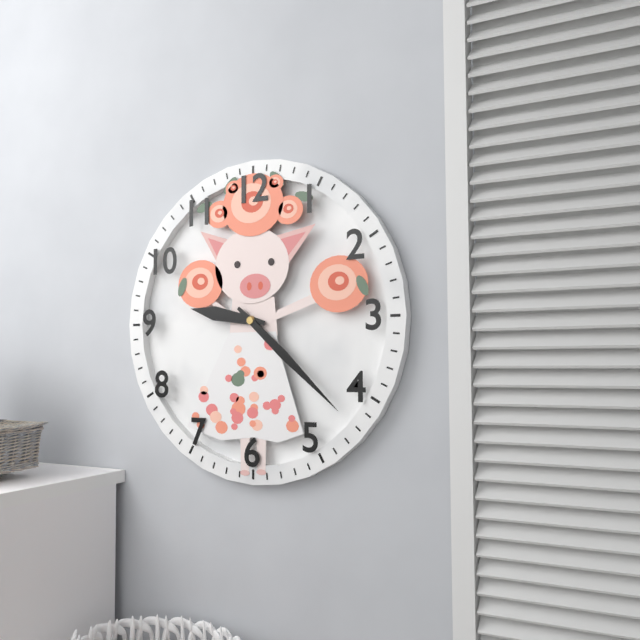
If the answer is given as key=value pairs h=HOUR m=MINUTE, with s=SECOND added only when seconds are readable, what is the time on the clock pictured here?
h=9 m=22
